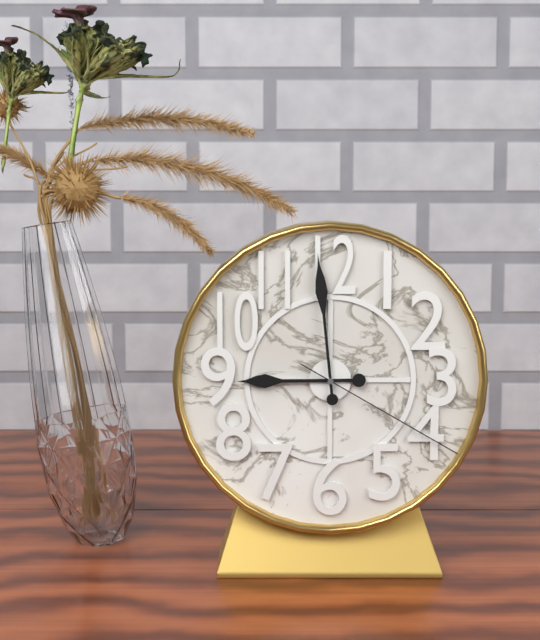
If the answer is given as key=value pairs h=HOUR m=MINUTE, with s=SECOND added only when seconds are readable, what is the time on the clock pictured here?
h=8 m=59 s=20
